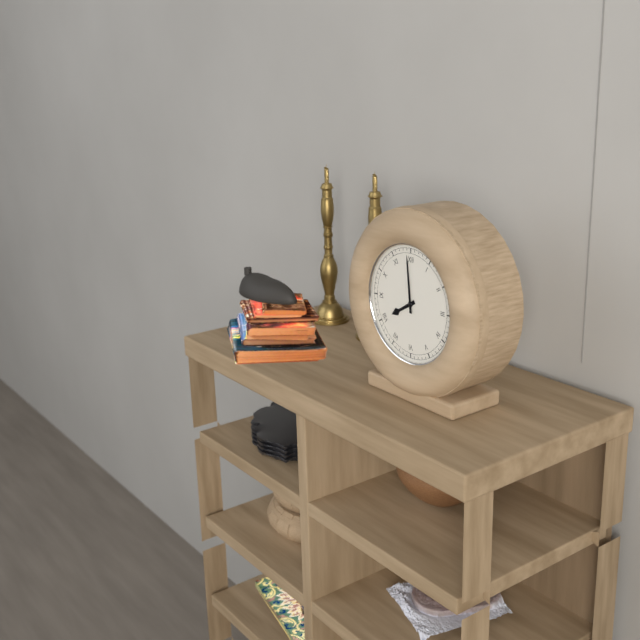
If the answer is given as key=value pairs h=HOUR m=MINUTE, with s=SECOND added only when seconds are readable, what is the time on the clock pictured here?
h=7 m=59
